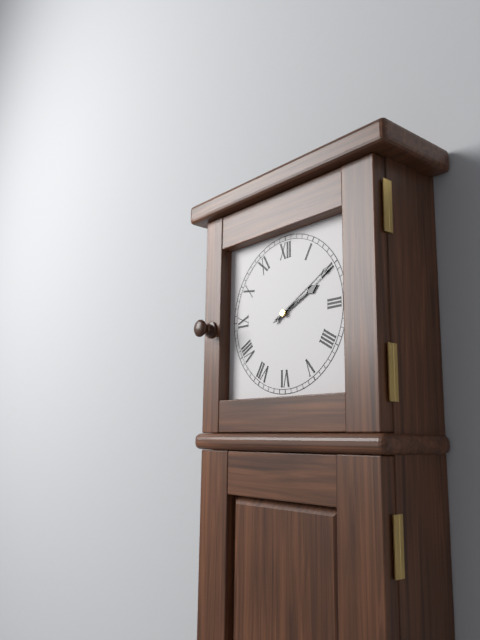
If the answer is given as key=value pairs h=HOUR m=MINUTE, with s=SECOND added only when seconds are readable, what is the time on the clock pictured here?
h=2 m=10
